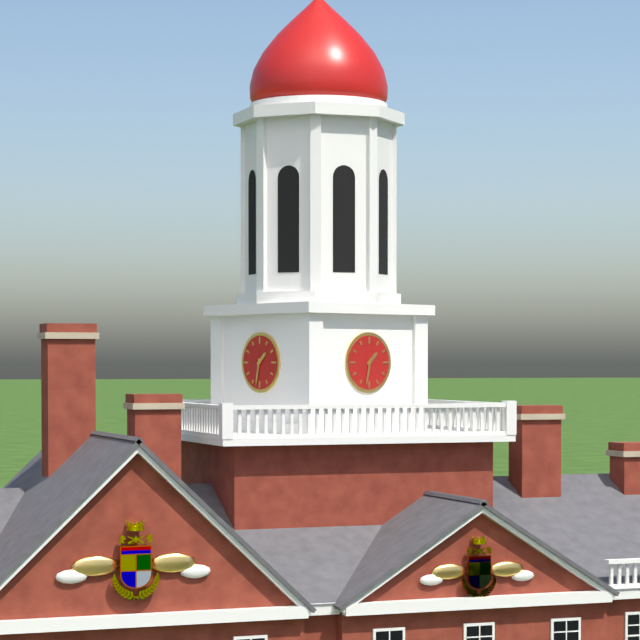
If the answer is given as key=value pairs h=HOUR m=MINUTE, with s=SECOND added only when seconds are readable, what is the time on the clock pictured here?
h=1 m=32
